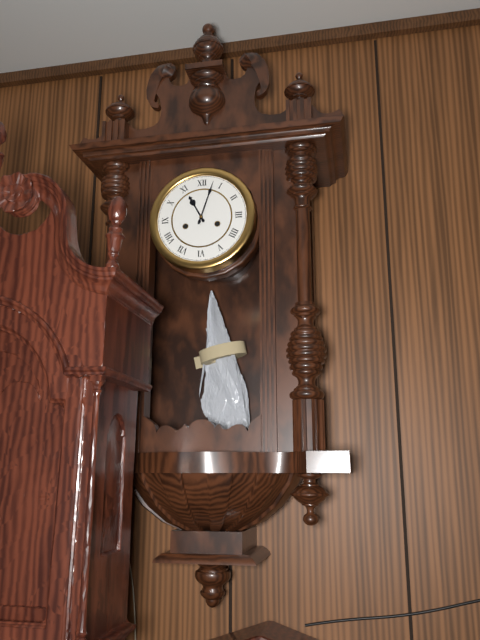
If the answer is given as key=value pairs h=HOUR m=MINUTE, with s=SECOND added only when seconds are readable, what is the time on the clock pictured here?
h=11 m=3
